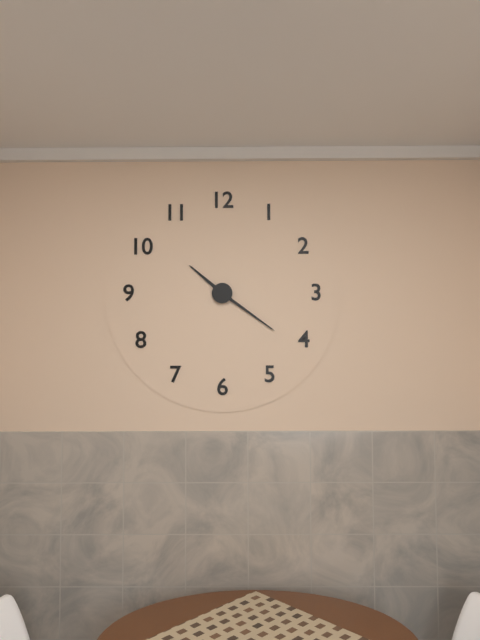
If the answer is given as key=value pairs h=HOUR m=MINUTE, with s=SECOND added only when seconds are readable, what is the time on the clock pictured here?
h=10 m=21
